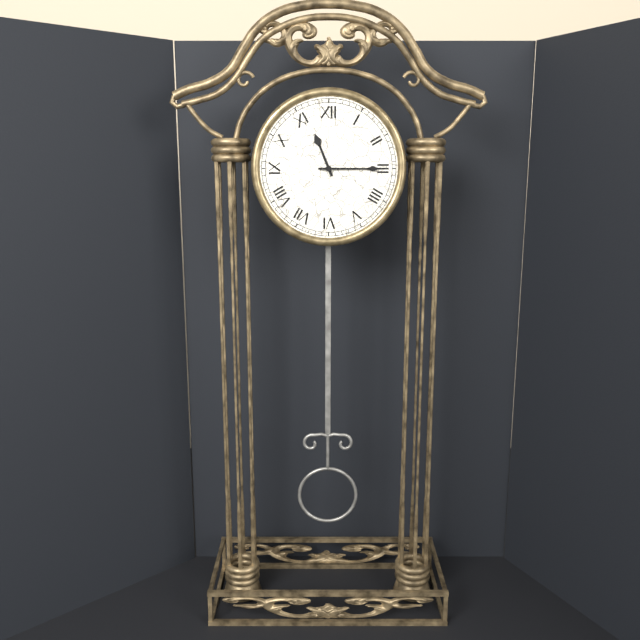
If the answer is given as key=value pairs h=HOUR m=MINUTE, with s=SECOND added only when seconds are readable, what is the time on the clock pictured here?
h=11 m=15
